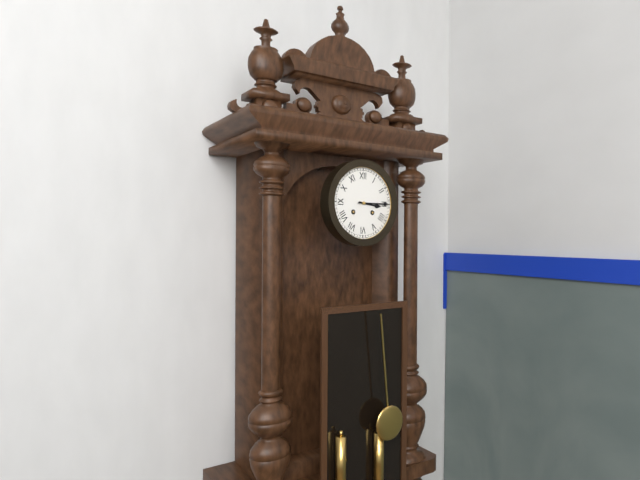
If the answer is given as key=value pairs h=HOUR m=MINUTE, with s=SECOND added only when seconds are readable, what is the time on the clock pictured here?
h=3 m=15
